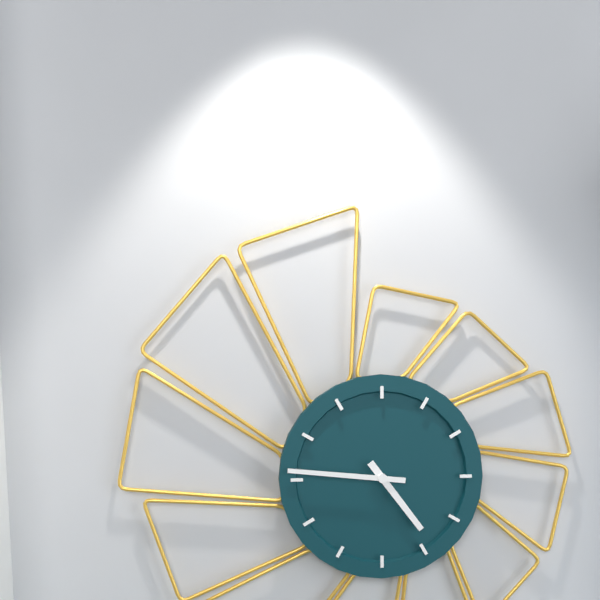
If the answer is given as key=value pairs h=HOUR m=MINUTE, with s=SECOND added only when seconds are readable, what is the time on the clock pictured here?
h=4 m=46
